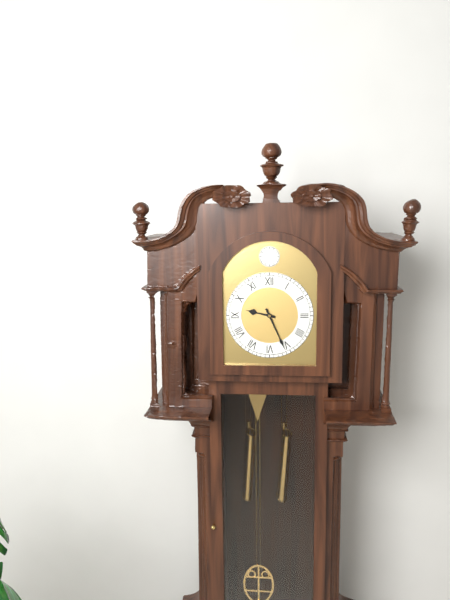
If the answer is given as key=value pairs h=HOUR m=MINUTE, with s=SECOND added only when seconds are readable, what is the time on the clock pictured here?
h=9 m=26
